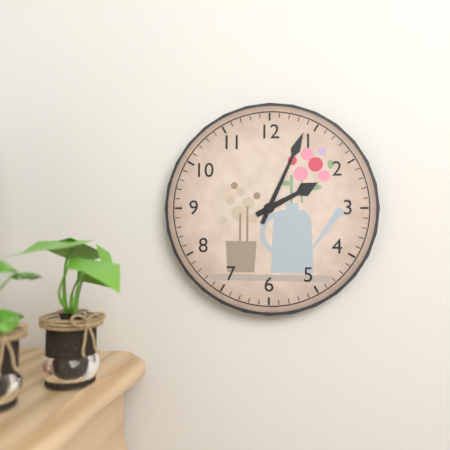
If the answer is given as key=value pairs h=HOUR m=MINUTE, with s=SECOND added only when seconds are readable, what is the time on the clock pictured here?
h=2 m=4
